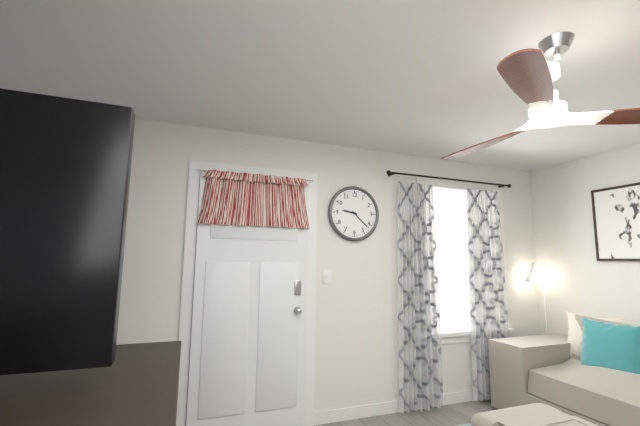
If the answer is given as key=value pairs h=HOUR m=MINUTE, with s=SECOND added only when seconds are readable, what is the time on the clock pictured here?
h=9 m=22
